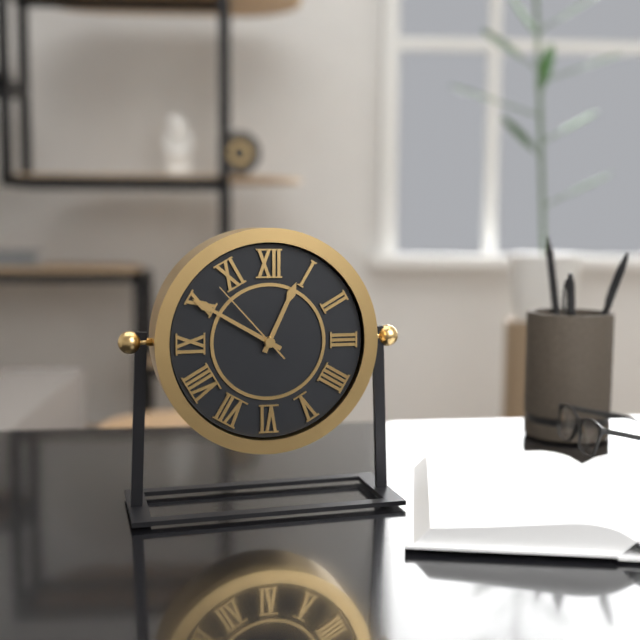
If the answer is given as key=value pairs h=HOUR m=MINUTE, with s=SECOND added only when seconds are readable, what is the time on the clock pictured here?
h=12 m=50 s=53
